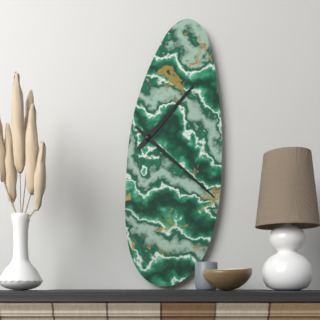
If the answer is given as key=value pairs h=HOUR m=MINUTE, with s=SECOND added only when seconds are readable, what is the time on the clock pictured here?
h=1 m=22
